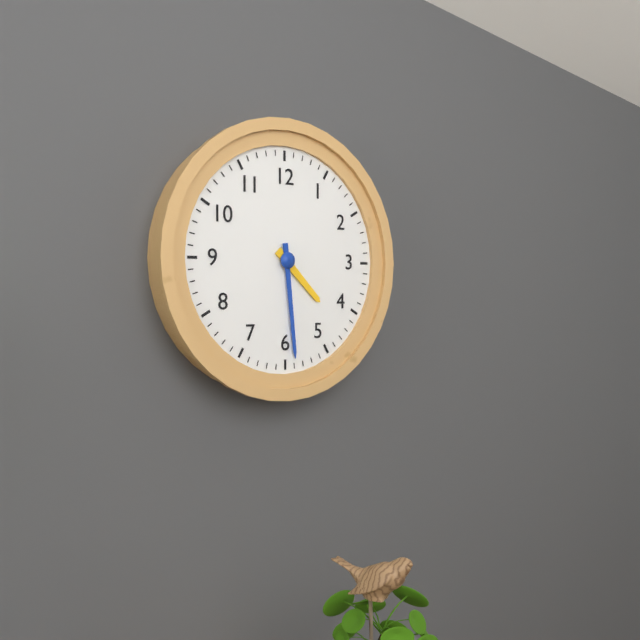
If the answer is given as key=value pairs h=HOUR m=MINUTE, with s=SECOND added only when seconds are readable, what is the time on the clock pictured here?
h=4 m=29
